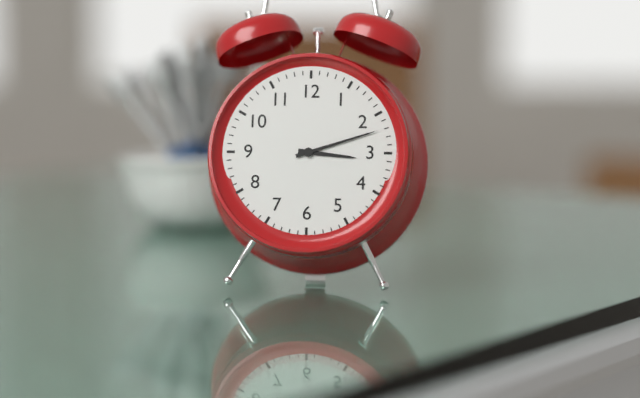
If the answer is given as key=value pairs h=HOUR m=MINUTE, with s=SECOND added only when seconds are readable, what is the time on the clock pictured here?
h=3 m=12
